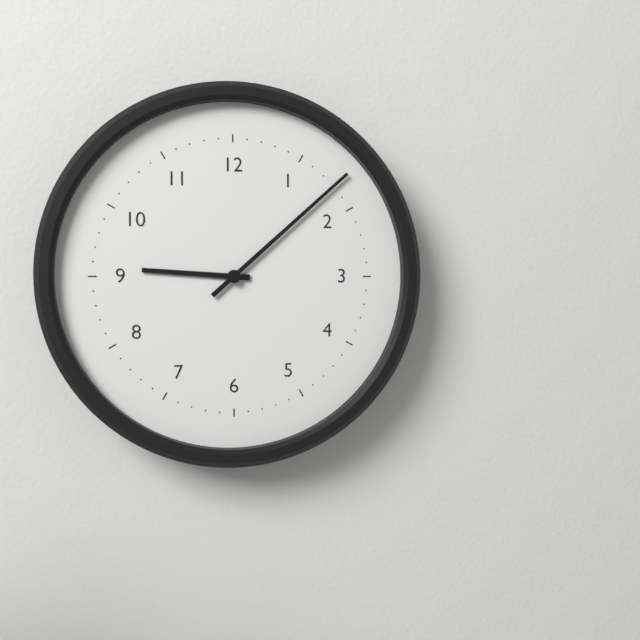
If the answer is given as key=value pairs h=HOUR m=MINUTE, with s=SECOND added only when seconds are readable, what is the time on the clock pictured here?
h=9 m=8
